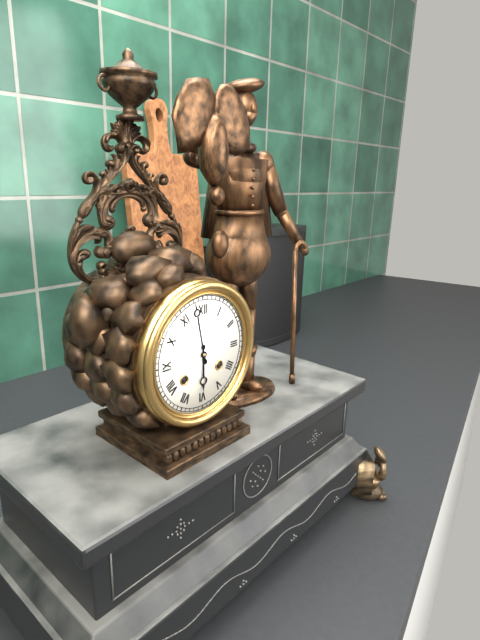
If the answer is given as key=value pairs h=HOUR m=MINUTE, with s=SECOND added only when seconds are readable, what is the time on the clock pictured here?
h=5 m=58
